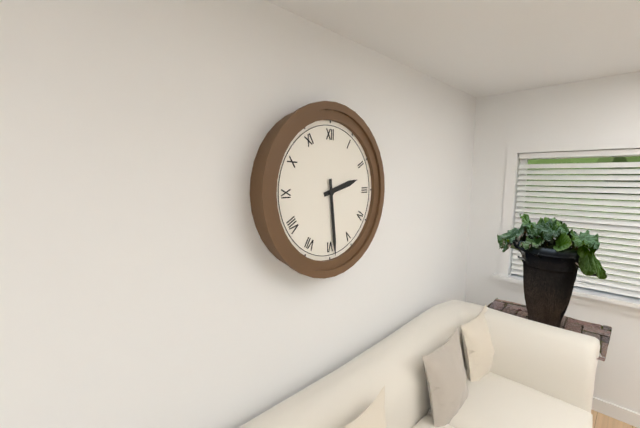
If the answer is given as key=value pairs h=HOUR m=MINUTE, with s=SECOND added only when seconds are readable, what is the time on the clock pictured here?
h=2 m=29
